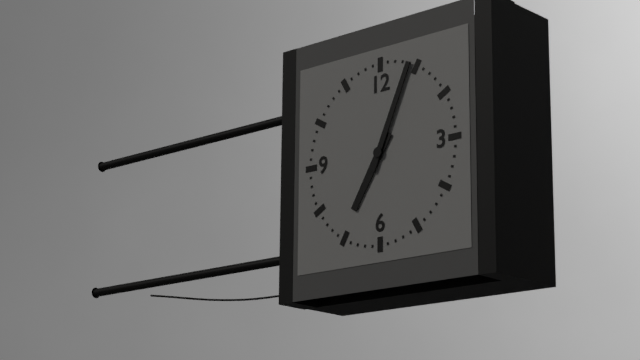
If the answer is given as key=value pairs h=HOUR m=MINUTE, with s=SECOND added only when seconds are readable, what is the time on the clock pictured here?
h=7 m=4
